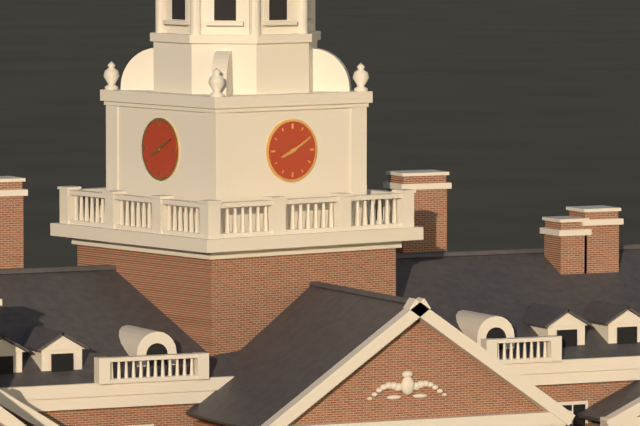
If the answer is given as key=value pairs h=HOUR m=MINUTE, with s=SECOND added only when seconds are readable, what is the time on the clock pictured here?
h=8 m=10
